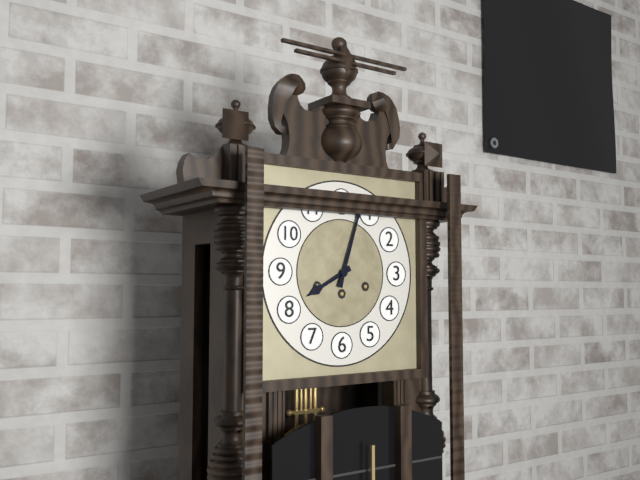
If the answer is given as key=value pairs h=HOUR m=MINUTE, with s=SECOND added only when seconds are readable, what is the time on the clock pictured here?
h=8 m=3
